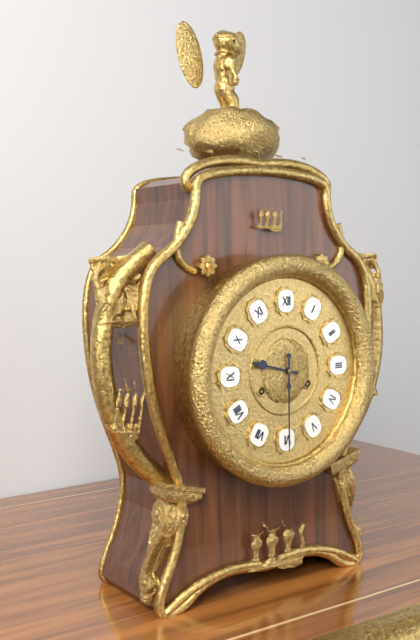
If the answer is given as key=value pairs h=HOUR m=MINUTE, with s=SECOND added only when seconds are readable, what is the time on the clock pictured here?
h=9 m=30
